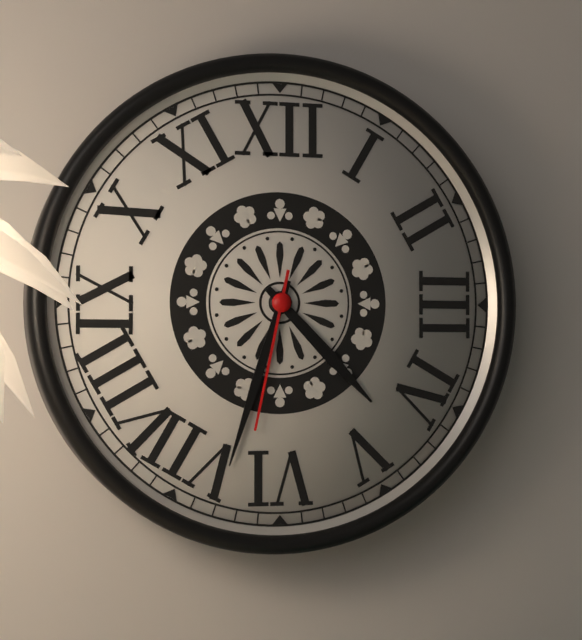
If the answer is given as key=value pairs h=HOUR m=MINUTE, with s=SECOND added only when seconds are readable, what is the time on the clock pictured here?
h=4 m=33 s=32
